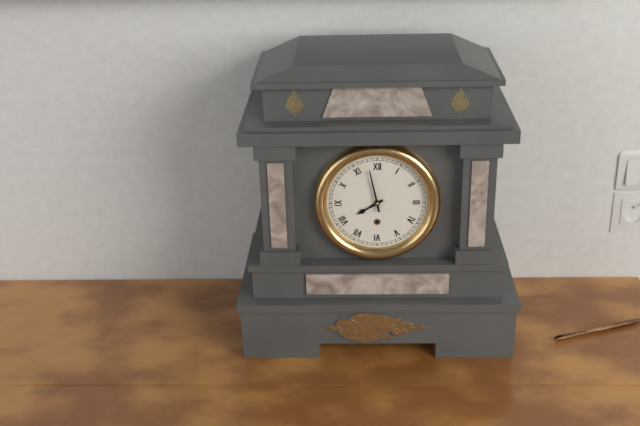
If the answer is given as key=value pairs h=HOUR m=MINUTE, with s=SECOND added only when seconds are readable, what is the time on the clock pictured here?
h=7 m=58
